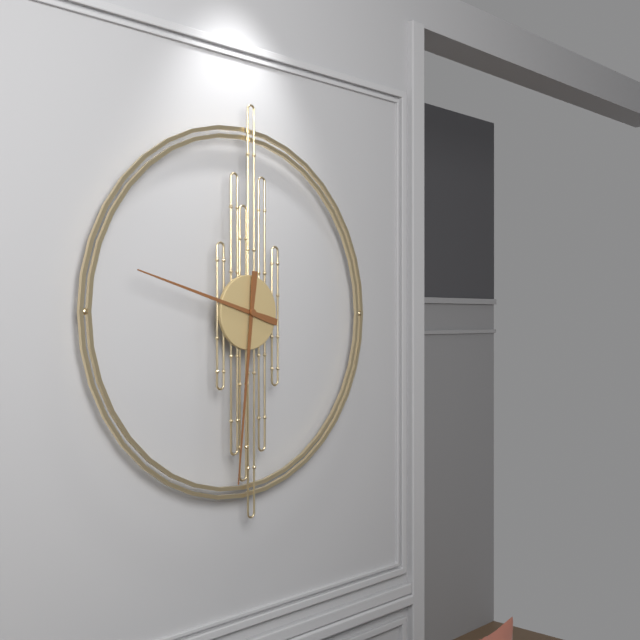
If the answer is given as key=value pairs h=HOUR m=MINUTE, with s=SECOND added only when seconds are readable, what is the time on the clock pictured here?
h=9 m=31
